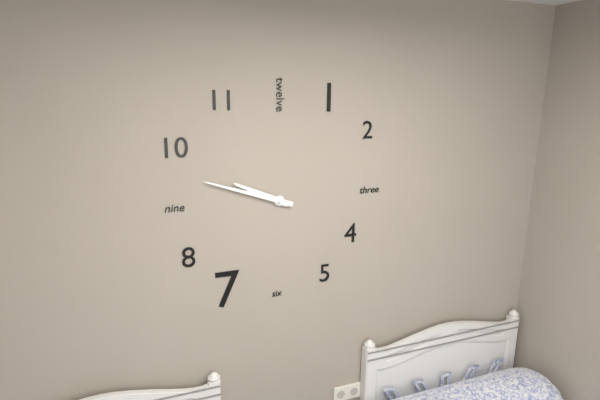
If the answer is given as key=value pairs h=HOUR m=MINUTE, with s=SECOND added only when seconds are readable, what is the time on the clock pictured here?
h=9 m=48
